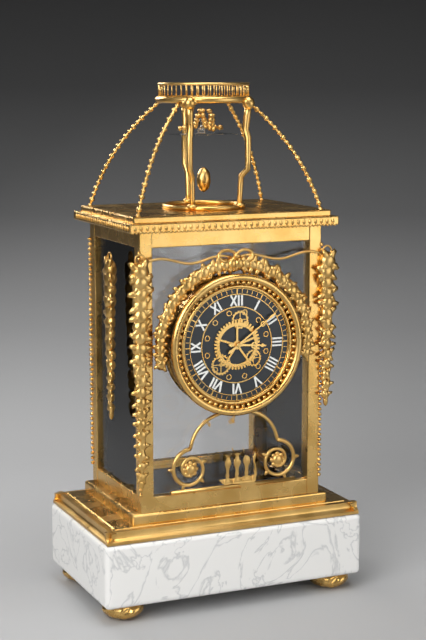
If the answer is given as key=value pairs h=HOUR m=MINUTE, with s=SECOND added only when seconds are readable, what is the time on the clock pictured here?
h=3 m=9
